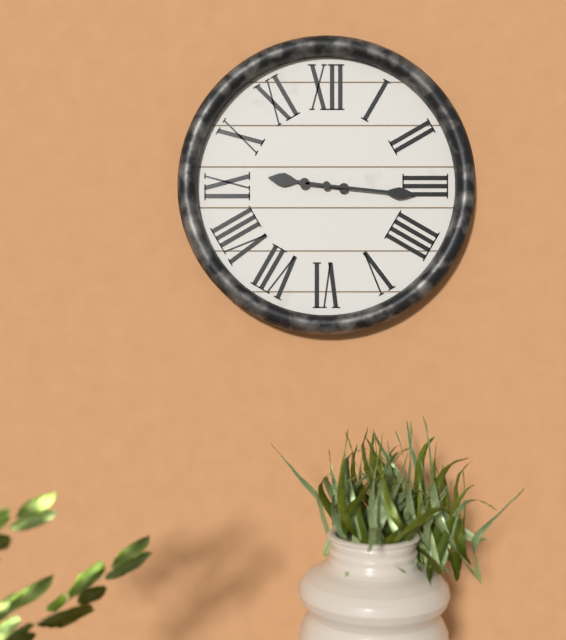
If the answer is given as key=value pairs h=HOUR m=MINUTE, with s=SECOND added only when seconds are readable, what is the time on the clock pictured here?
h=9 m=16
